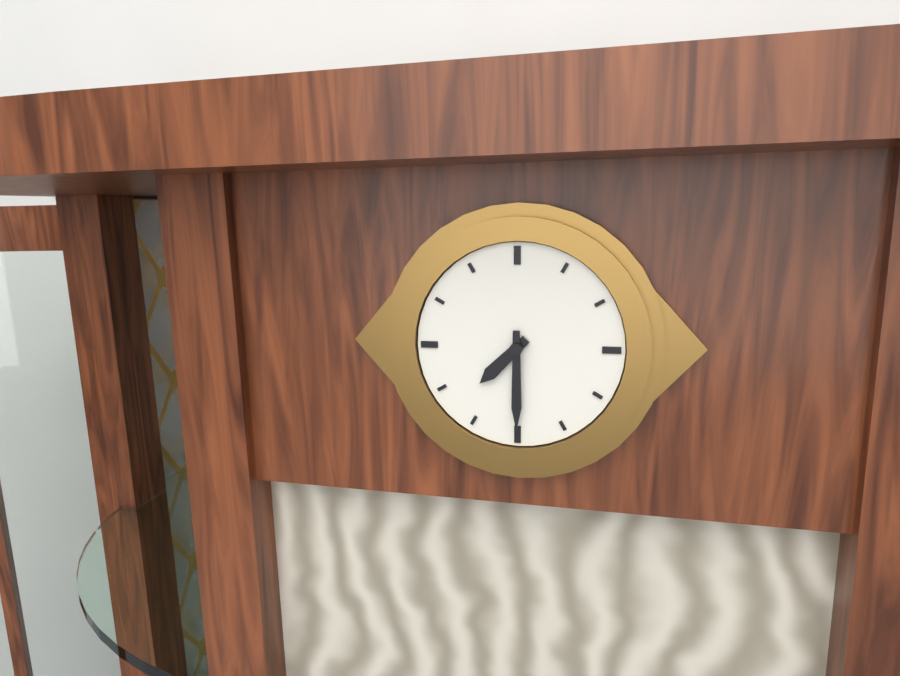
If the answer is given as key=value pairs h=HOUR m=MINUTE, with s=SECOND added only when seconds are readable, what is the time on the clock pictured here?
h=7 m=30
